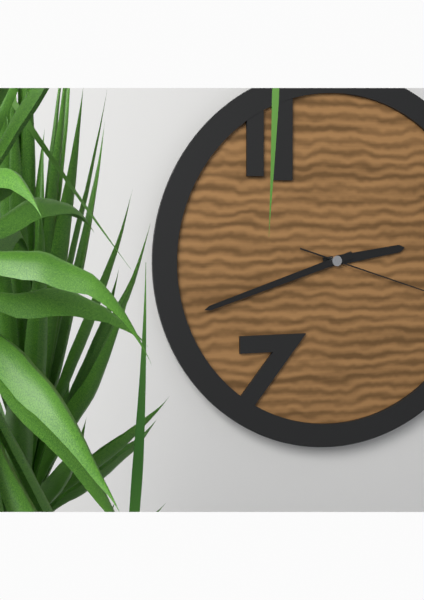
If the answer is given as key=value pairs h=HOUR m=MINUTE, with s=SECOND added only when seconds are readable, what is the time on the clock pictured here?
h=2 m=42
